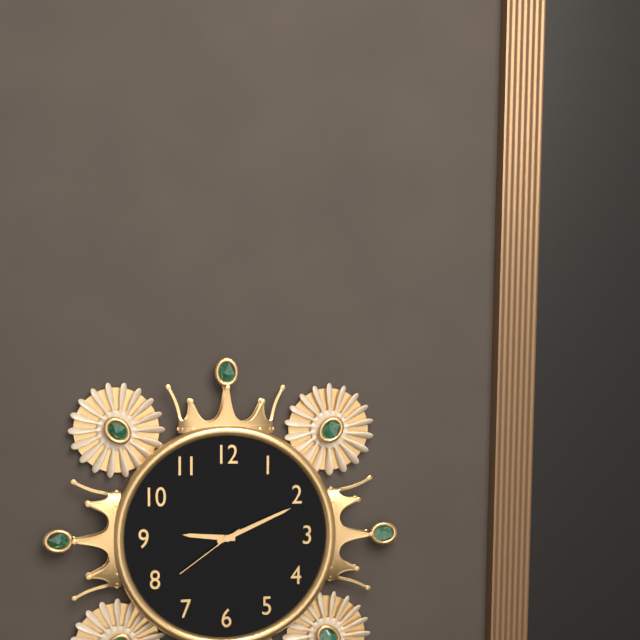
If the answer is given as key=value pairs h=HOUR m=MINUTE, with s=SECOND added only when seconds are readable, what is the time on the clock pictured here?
h=9 m=11 s=39
